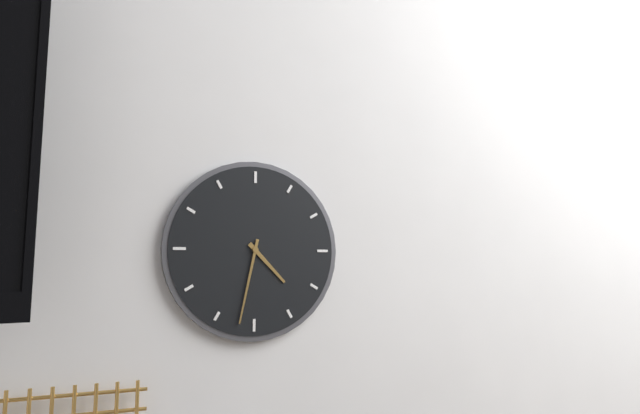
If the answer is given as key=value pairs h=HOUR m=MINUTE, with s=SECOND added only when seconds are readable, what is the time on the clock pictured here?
h=4 m=32
